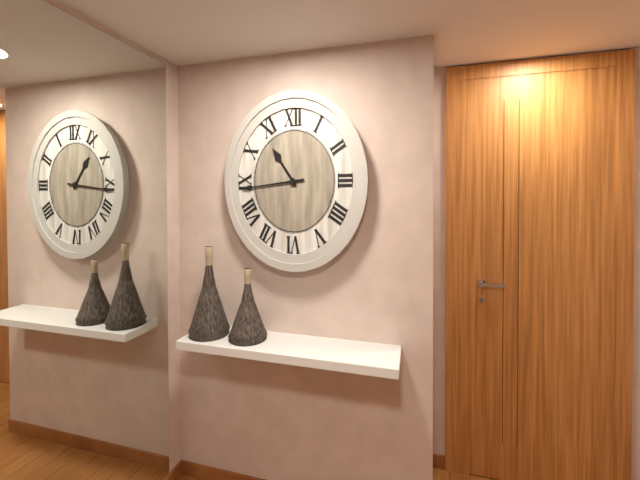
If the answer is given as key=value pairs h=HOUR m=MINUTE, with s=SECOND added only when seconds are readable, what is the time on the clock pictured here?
h=10 m=44
